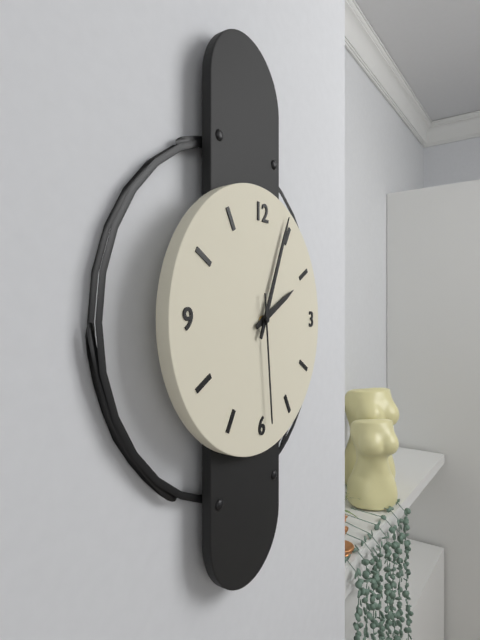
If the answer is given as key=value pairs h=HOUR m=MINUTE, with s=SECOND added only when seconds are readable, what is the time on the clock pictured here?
h=2 m=4 s=29
